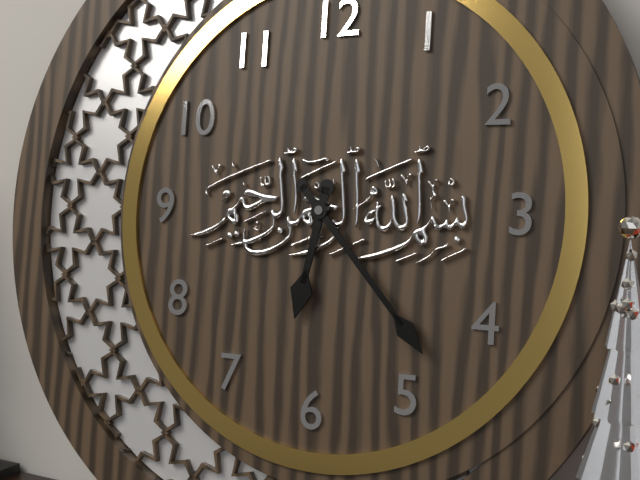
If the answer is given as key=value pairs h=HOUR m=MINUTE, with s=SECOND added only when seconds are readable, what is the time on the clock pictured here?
h=6 m=23
